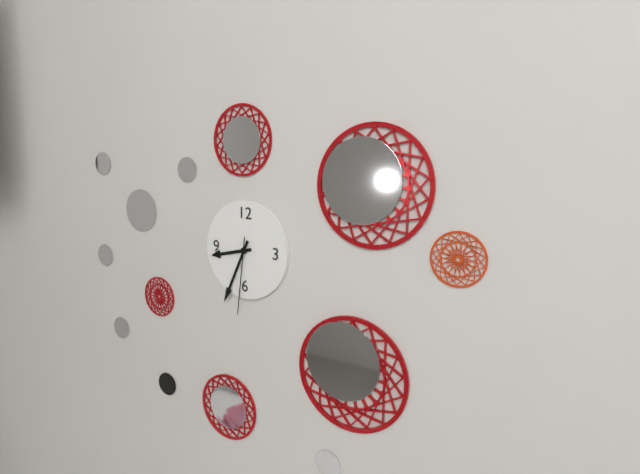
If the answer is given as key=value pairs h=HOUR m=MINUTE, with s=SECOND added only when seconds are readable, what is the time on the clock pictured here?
h=8 m=34 s=31
